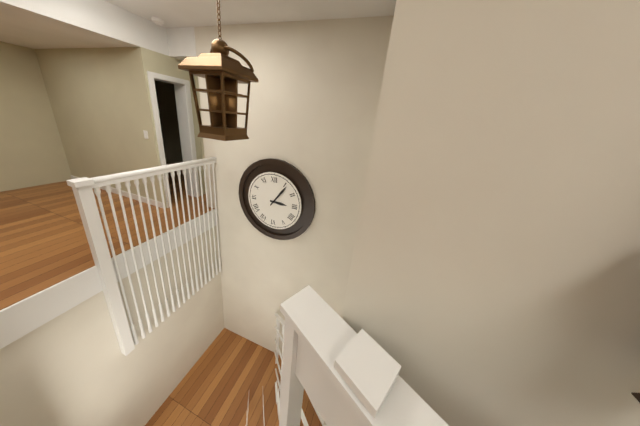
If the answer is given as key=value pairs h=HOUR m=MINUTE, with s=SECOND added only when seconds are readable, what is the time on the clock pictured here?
h=3 m=6
